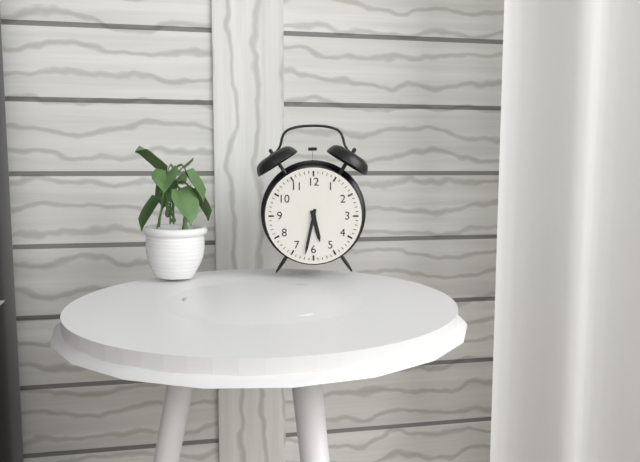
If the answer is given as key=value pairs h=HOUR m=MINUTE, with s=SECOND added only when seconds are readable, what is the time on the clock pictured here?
h=5 m=32
